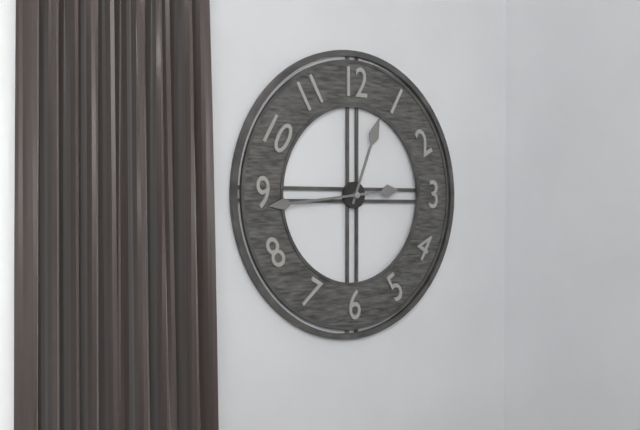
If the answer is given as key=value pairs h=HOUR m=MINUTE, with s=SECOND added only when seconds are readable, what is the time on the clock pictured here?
h=12 m=44
